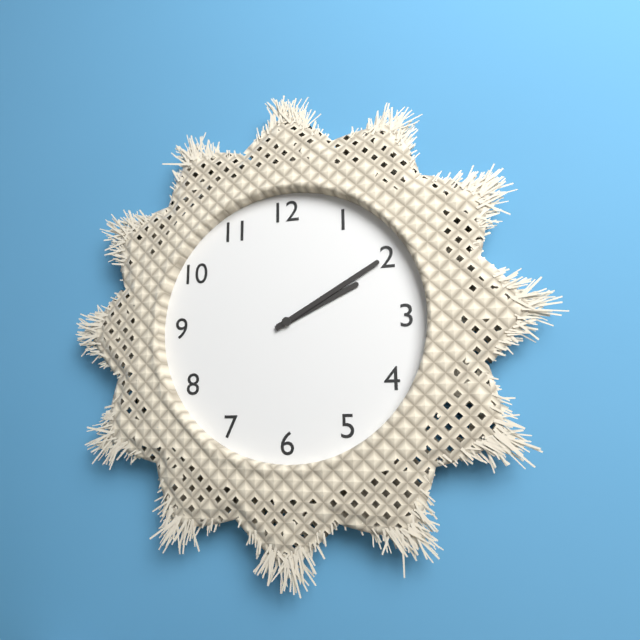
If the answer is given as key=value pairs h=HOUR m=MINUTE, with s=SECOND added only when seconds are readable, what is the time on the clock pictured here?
h=2 m=10
